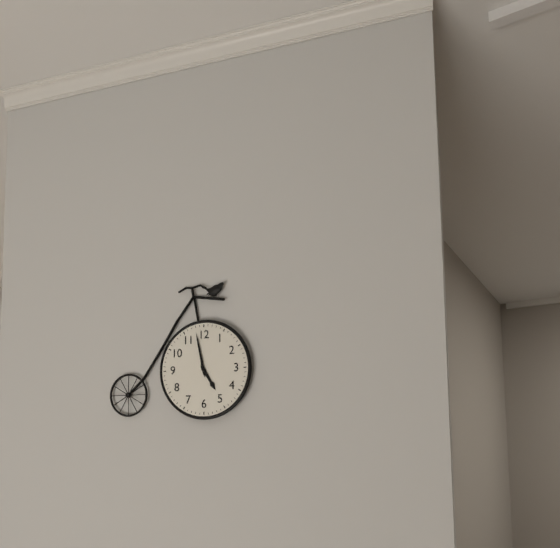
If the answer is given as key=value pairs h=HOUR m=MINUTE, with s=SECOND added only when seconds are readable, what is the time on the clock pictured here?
h=4 m=58
